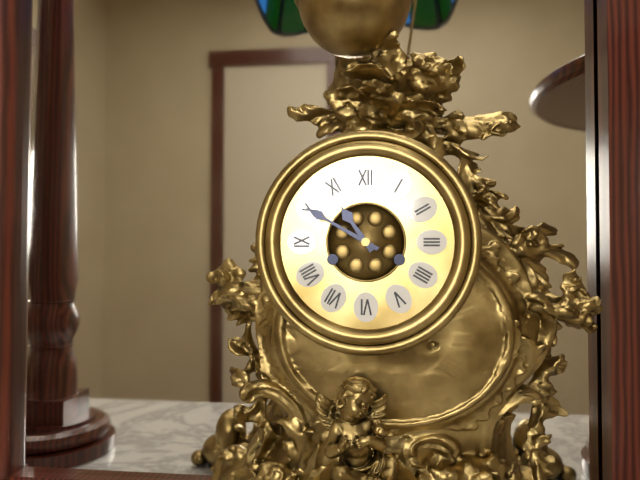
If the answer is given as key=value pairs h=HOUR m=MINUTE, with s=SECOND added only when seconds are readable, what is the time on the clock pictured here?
h=10 m=50
